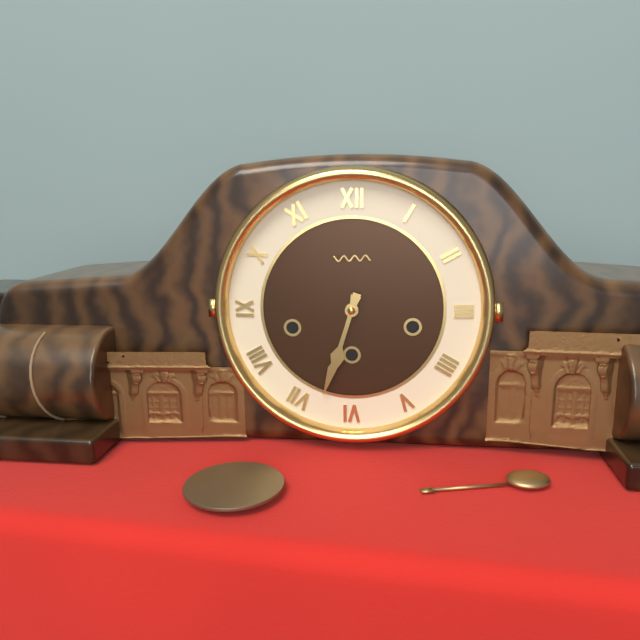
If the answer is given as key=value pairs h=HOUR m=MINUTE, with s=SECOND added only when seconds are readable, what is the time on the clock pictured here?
h=6 m=33
